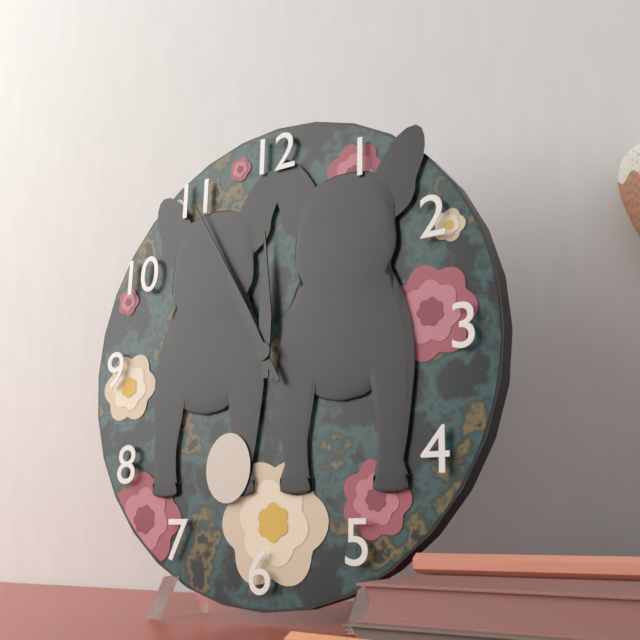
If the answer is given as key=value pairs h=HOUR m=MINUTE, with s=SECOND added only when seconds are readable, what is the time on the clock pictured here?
h=11 m=55
